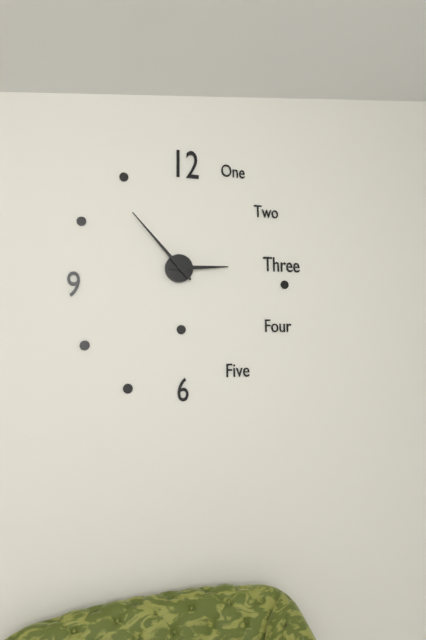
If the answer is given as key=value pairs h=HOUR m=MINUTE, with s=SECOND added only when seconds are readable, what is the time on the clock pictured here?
h=2 m=53
